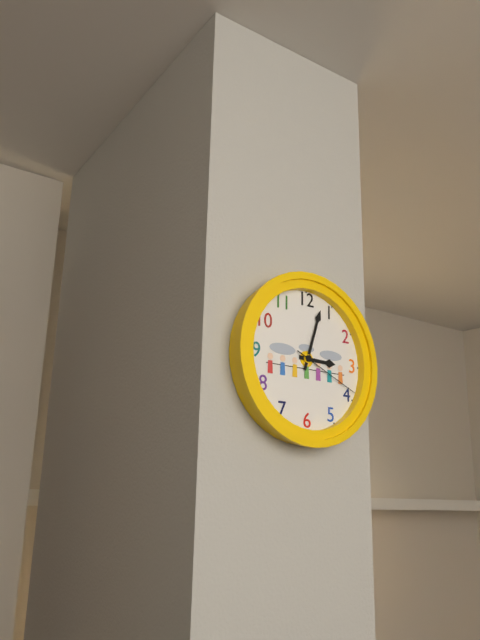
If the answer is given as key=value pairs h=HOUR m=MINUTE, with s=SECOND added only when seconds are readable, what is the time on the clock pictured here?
h=3 m=3 s=19
